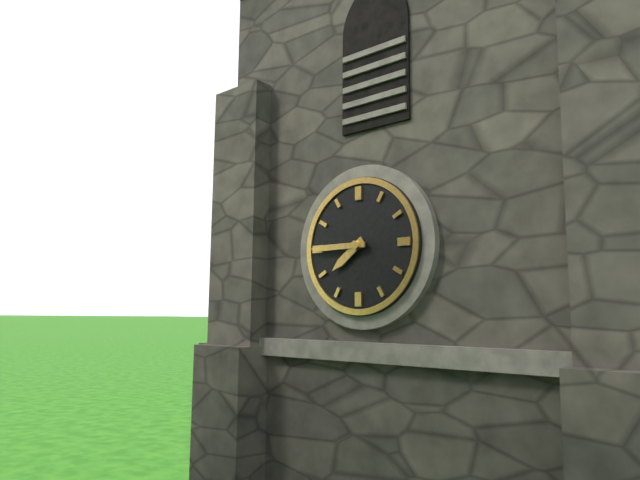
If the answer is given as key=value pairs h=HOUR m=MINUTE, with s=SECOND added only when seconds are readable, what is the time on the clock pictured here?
h=7 m=45
